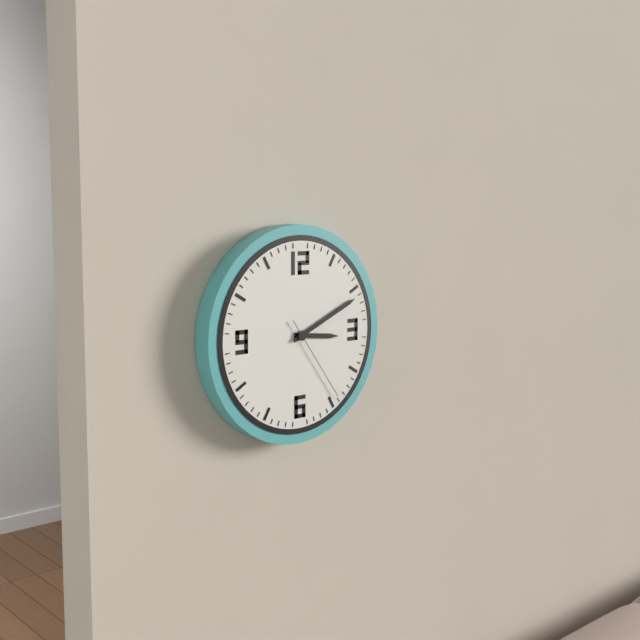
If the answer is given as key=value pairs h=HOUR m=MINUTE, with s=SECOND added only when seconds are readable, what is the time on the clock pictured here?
h=3 m=11 s=24
